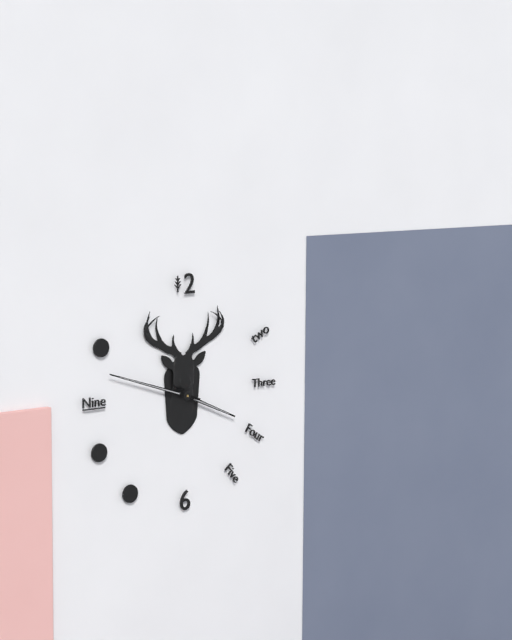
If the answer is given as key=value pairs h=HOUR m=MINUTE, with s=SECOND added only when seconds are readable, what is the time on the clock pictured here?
h=3 m=48
